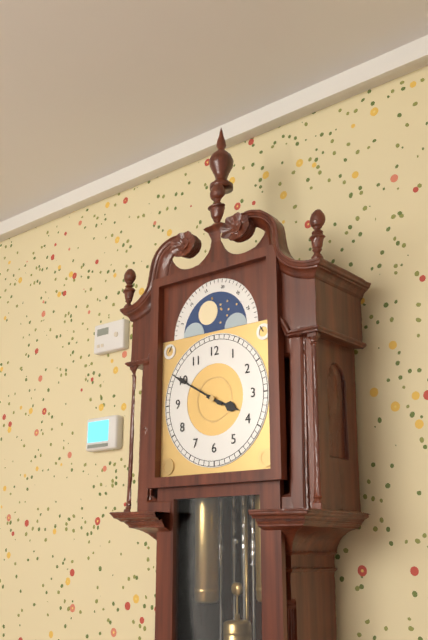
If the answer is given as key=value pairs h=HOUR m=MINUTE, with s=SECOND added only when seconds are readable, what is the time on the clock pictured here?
h=3 m=50
